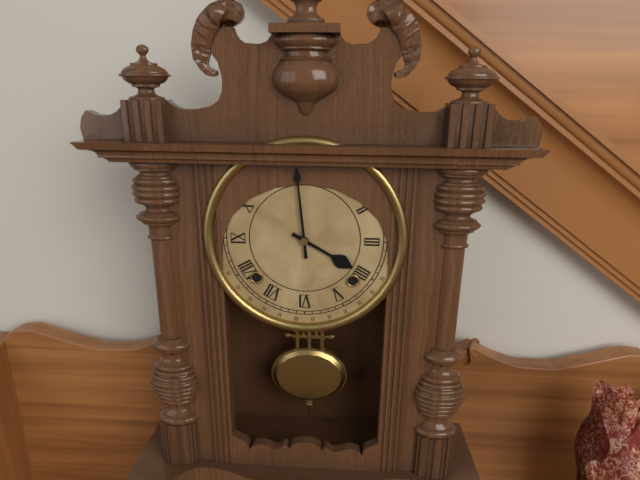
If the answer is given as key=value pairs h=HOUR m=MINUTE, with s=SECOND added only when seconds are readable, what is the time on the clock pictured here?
h=3 m=59
